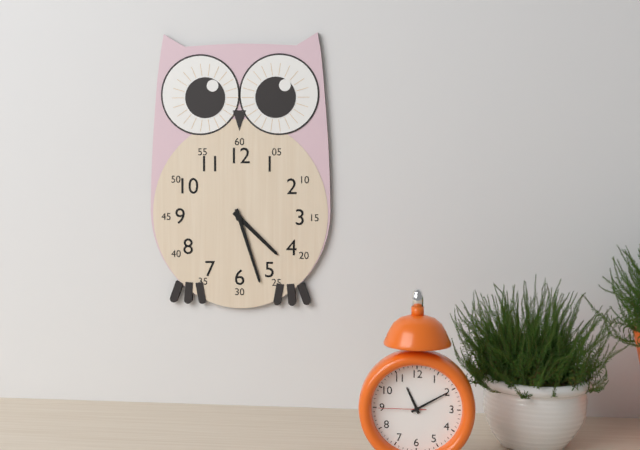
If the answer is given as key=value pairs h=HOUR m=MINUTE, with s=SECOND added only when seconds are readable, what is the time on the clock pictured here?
h=4 m=27
